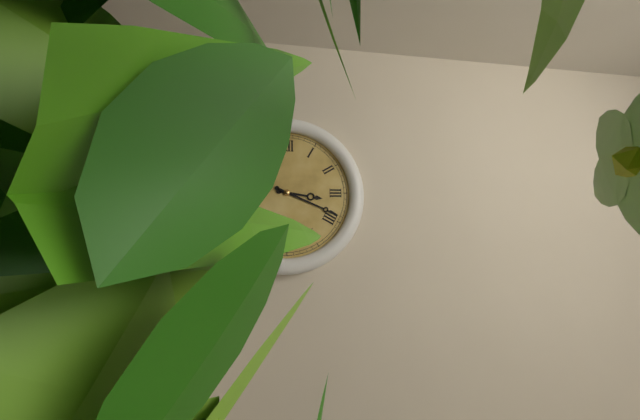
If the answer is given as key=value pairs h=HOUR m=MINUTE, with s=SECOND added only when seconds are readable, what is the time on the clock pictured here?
h=3 m=19
